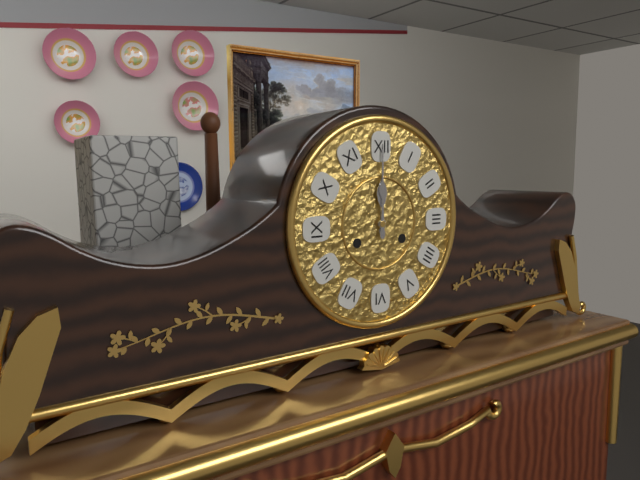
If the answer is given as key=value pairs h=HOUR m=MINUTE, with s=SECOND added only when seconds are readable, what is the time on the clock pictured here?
h=12 m=0
